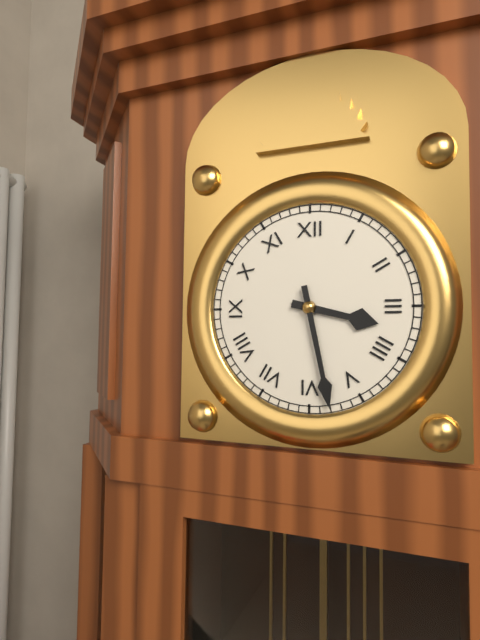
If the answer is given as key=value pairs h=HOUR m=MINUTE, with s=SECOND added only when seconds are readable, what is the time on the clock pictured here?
h=3 m=28
